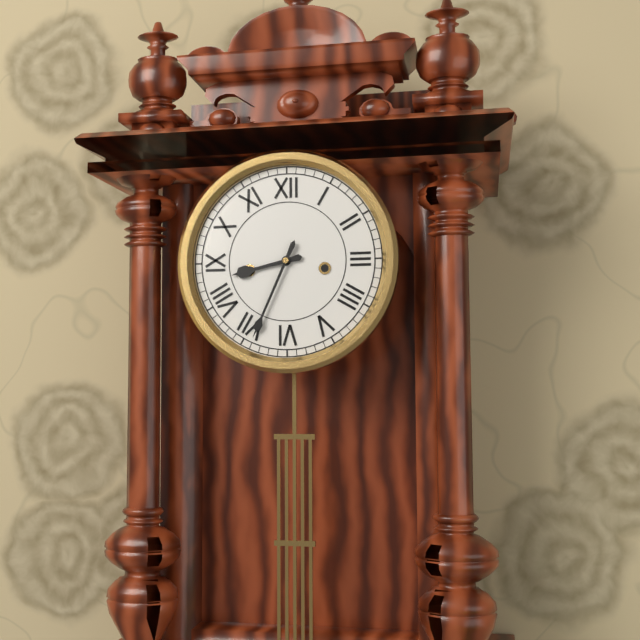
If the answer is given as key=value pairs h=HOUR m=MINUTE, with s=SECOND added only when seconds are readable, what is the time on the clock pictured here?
h=8 m=34
